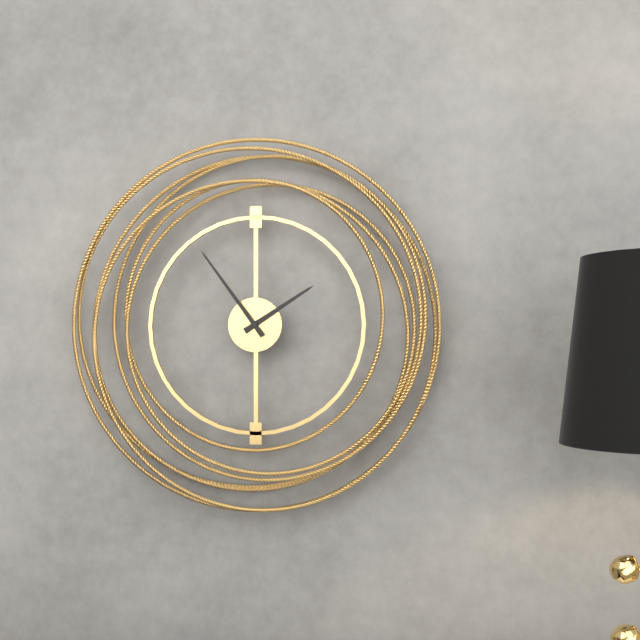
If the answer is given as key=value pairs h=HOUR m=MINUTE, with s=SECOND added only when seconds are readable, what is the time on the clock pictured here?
h=1 m=54
